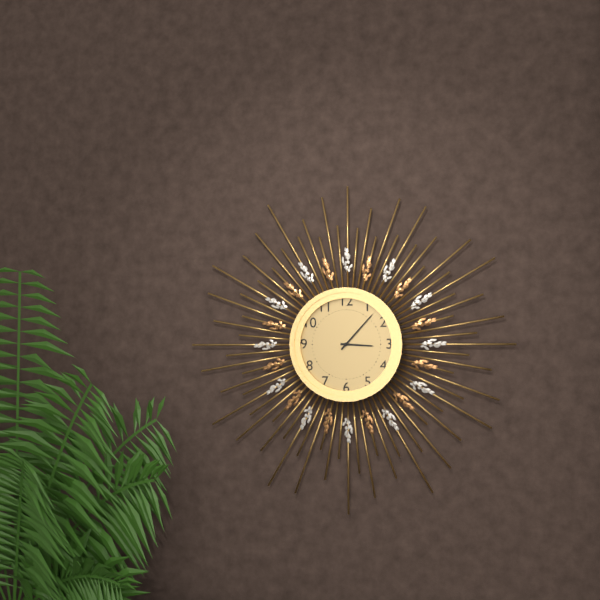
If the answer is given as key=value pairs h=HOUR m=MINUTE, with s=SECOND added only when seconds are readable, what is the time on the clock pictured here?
h=3 m=7
